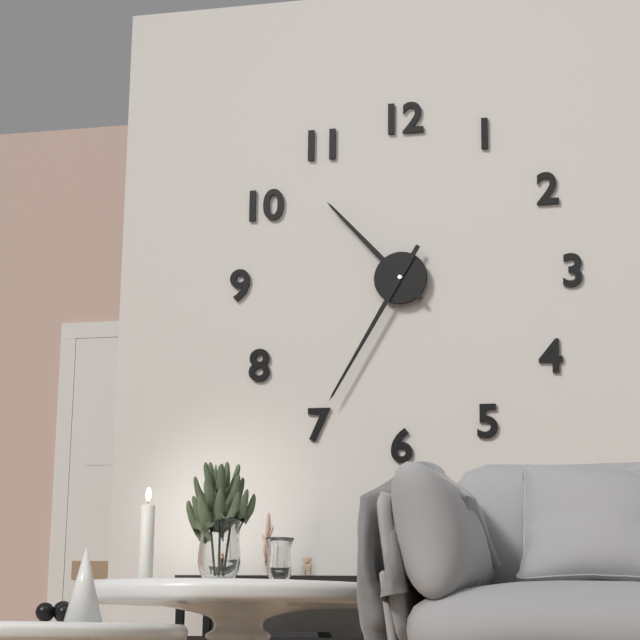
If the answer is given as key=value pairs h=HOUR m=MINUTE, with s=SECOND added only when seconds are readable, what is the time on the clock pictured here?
h=10 m=35
